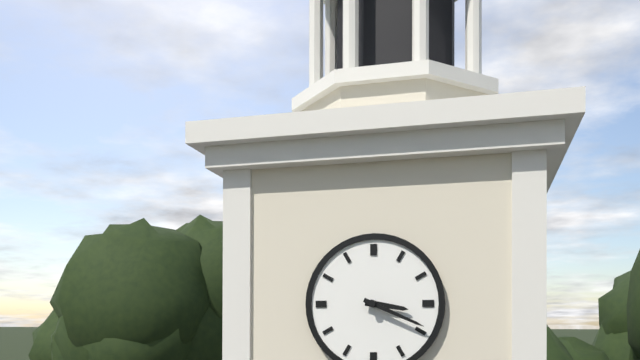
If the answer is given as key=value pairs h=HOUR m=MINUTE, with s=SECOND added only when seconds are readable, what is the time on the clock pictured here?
h=3 m=19
